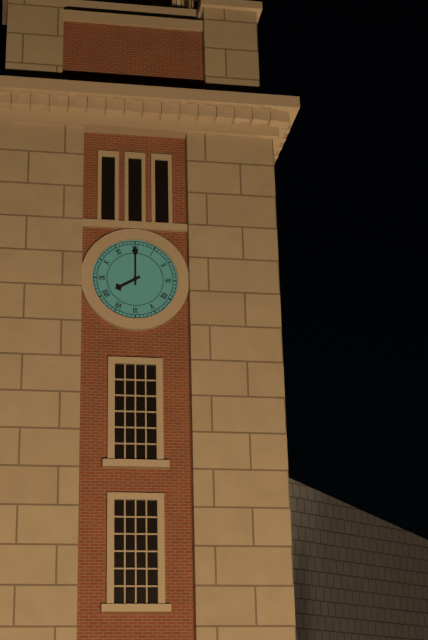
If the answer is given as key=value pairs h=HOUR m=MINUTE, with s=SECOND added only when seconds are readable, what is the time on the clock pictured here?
h=8 m=0
